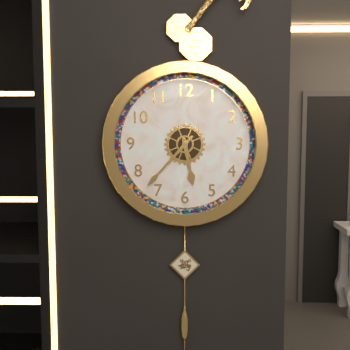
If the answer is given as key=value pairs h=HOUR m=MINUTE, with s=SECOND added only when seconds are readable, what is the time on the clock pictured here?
h=5 m=37
